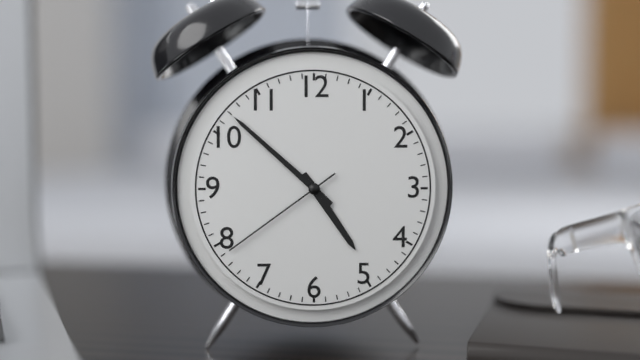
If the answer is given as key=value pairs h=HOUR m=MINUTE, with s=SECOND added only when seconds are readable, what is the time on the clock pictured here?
h=4 m=52 s=39
